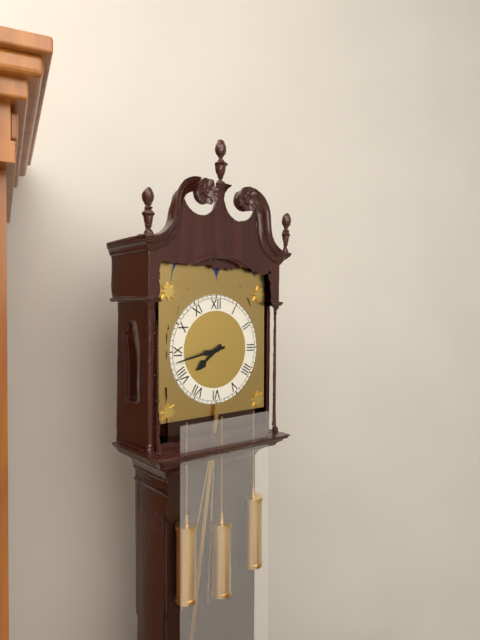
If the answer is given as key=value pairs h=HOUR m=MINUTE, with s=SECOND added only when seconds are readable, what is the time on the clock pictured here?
h=7 m=43
